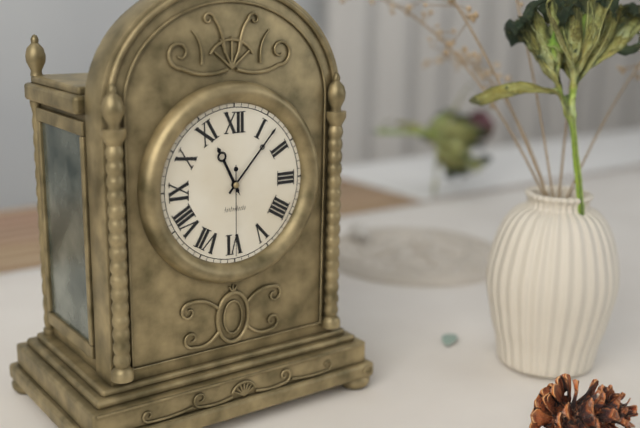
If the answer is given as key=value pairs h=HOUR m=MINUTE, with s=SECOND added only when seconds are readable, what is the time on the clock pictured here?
h=11 m=7 s=30
